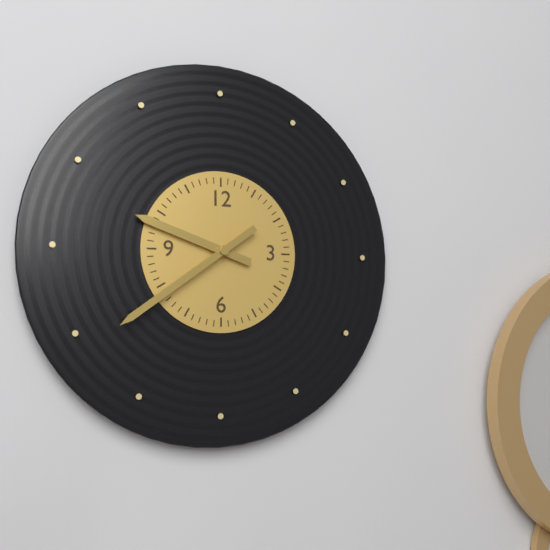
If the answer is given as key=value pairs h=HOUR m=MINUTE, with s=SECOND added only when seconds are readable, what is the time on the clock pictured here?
h=9 m=39
